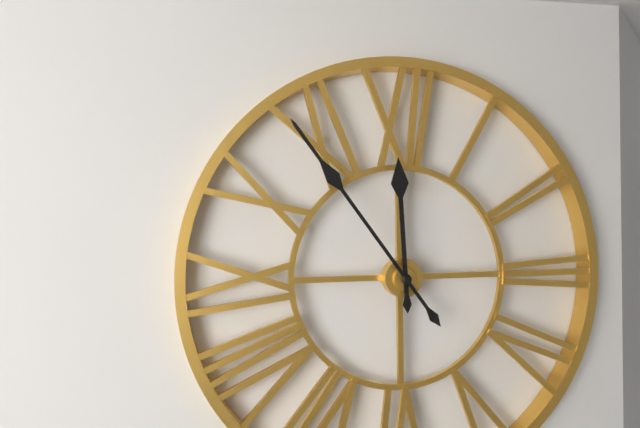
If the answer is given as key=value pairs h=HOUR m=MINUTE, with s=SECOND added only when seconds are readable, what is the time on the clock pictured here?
h=11 m=54
